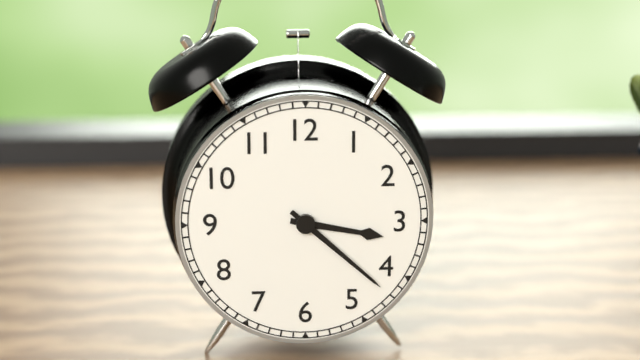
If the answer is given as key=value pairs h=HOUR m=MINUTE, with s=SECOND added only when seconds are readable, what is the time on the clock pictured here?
h=3 m=22
